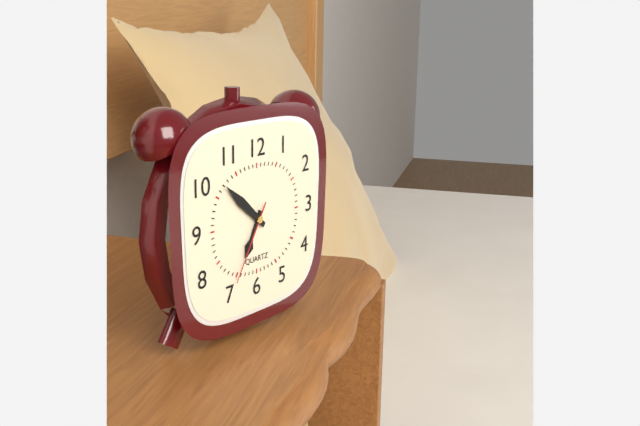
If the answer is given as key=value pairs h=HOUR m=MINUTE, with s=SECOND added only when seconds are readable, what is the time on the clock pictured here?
h=6 m=52 s=35
